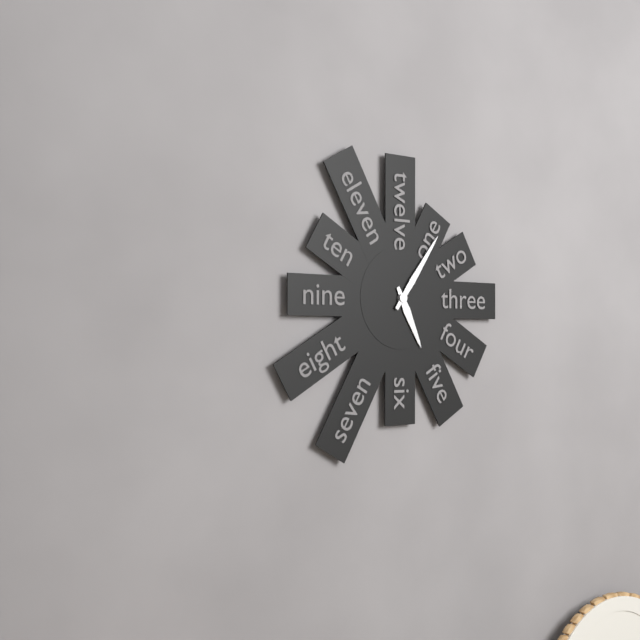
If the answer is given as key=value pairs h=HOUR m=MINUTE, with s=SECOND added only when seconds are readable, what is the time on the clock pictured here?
h=5 m=6
